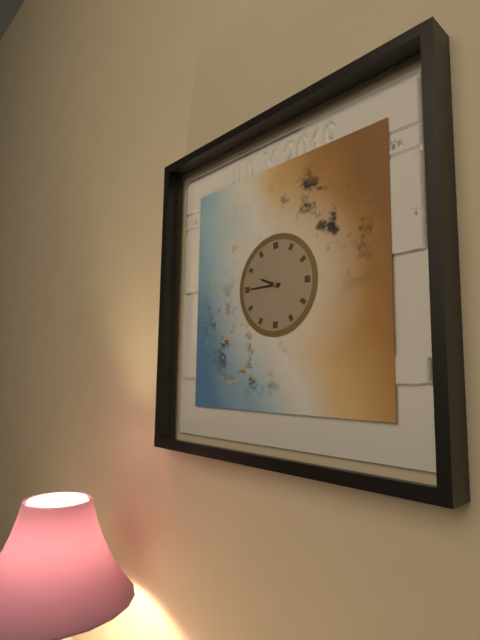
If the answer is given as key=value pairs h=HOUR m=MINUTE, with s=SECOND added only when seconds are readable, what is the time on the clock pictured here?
h=9 m=45
